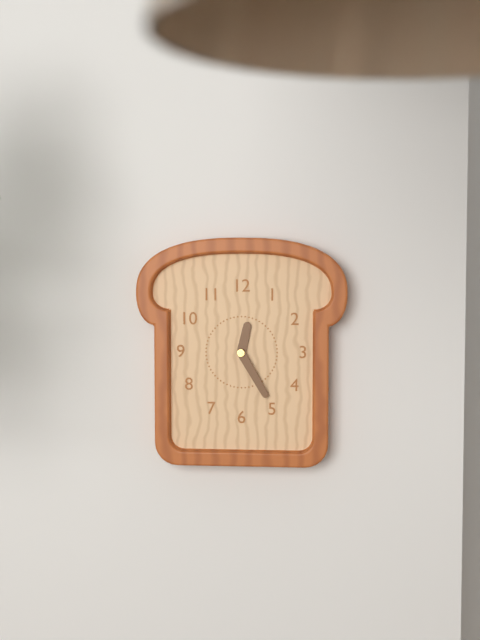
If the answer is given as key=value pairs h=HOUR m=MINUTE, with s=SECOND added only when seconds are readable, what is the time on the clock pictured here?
h=12 m=25
